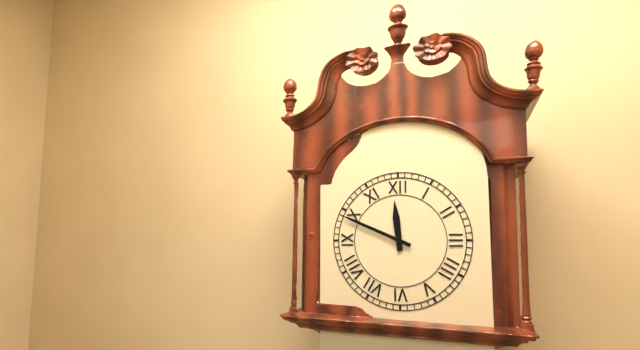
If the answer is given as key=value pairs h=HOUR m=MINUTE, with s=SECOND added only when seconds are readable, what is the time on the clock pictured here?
h=11 m=49
